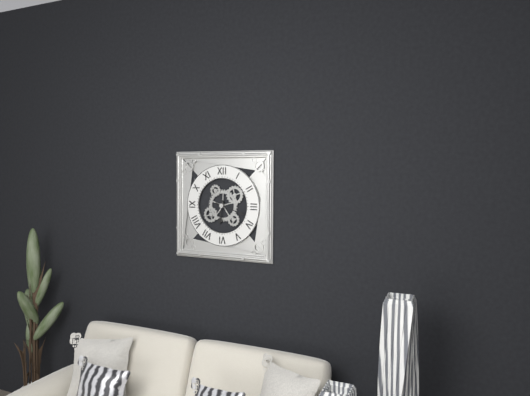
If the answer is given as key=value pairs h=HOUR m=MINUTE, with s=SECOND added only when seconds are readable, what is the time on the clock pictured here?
h=6 m=18
